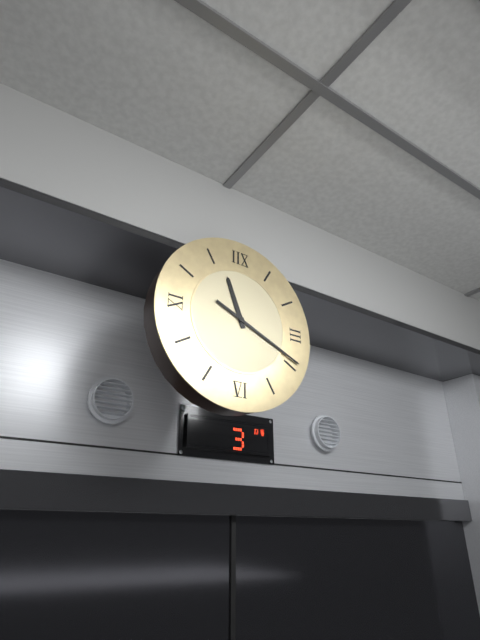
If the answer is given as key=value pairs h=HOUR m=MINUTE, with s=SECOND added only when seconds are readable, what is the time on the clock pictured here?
h=11 m=19
